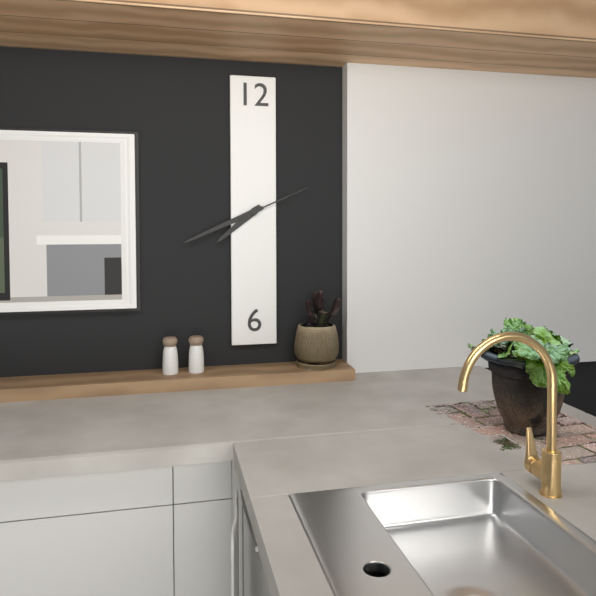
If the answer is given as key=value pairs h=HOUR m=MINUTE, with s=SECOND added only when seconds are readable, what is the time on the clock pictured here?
h=7 m=41 s=11
